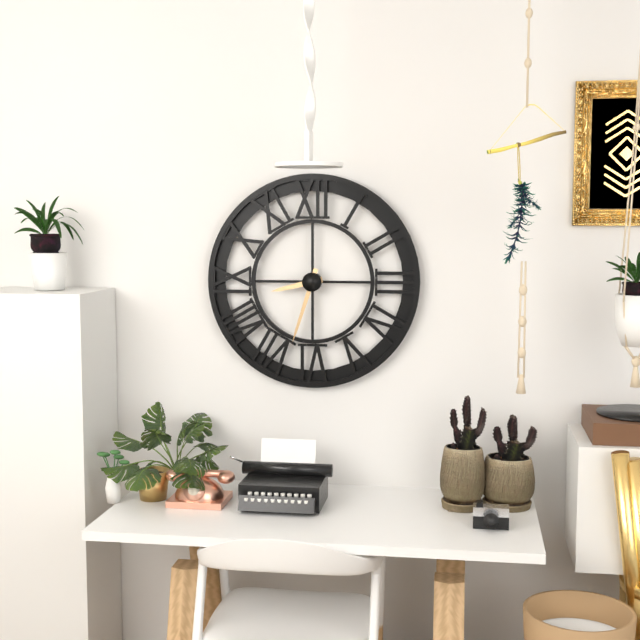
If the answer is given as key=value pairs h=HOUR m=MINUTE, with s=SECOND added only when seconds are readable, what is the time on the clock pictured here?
h=8 m=33
